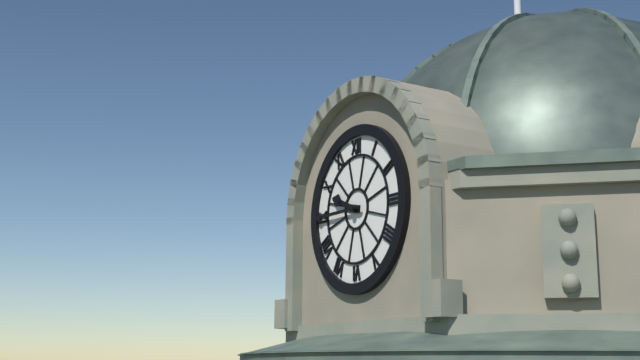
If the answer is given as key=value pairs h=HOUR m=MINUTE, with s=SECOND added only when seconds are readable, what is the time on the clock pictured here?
h=9 m=45
